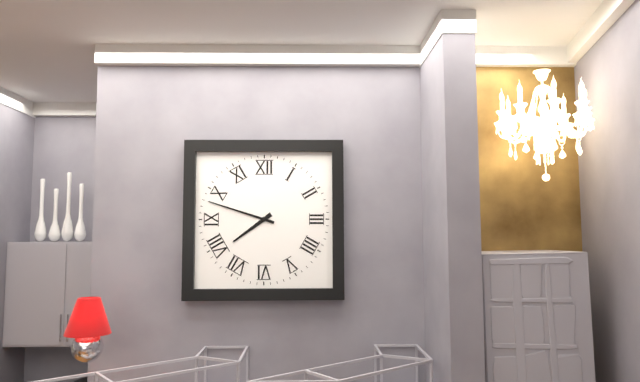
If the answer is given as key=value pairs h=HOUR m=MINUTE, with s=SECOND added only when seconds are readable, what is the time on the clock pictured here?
h=7 m=48
